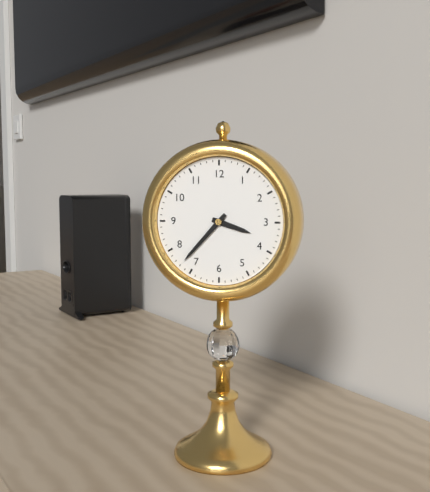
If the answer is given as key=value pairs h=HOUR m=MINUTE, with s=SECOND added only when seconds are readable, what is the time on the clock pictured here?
h=3 m=37
